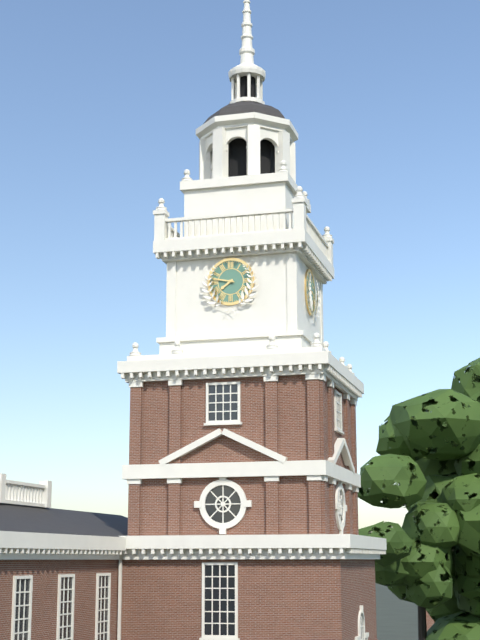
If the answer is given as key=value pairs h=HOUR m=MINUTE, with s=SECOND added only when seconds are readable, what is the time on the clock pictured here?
h=7 m=47
